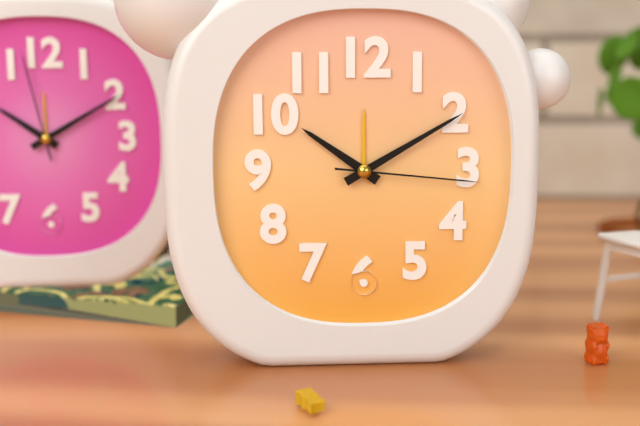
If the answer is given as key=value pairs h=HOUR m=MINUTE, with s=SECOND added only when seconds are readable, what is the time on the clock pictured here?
h=10 m=10 s=16
